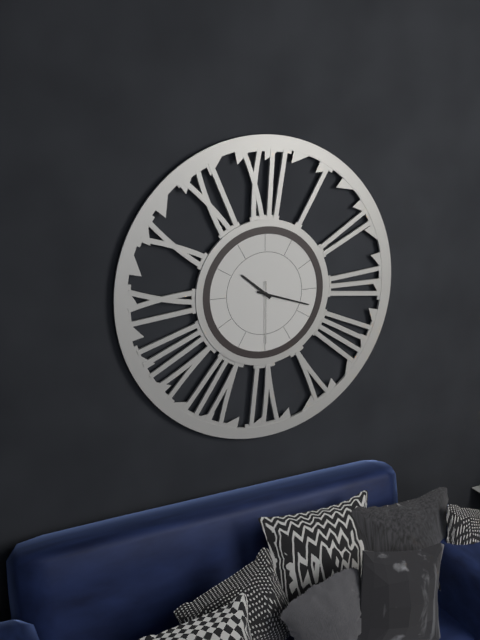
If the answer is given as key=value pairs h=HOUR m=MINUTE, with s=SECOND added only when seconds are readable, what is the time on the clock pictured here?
h=10 m=18 s=30
